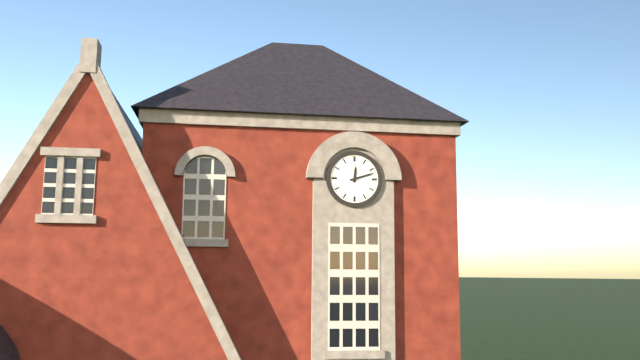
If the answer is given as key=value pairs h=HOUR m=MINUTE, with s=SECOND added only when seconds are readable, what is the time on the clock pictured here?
h=12 m=12
